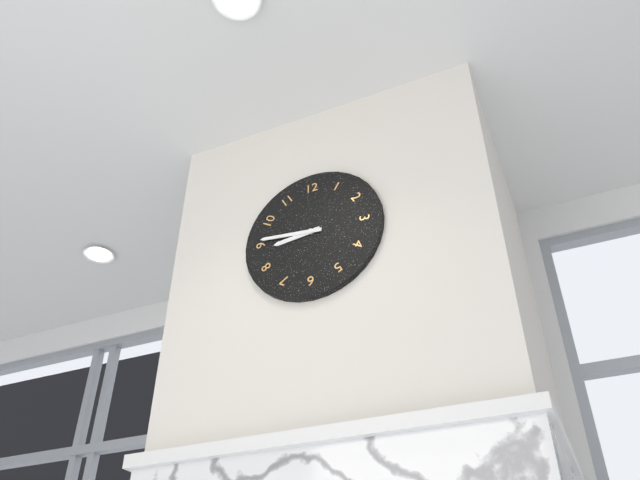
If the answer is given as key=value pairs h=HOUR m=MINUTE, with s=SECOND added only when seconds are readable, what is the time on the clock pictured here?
h=8 m=46
